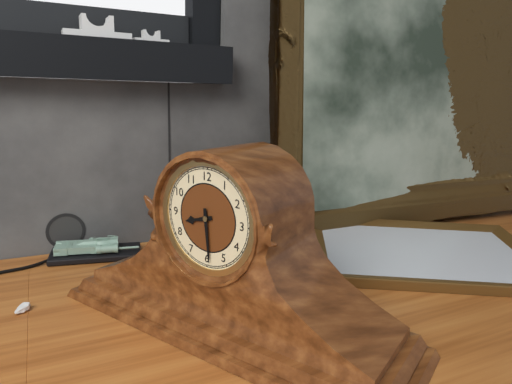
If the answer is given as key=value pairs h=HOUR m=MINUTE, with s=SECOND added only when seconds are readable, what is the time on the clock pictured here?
h=8 m=29
